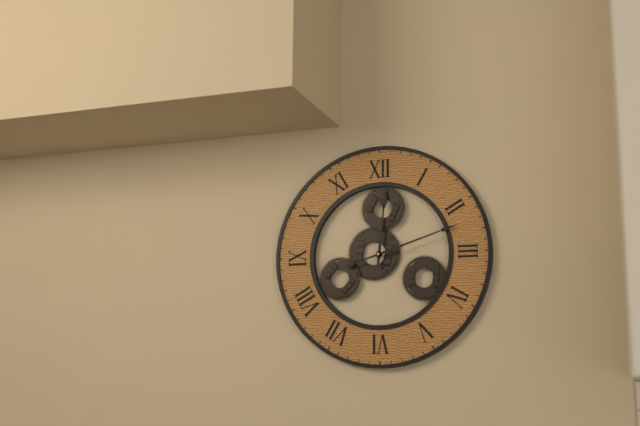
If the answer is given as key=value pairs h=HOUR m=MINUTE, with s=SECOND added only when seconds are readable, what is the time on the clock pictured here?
h=12 m=12
